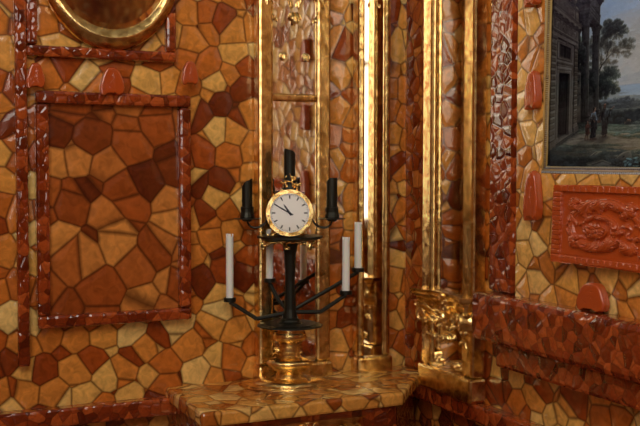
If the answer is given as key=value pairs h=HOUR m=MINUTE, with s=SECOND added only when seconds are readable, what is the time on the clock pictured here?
h=10 m=50
